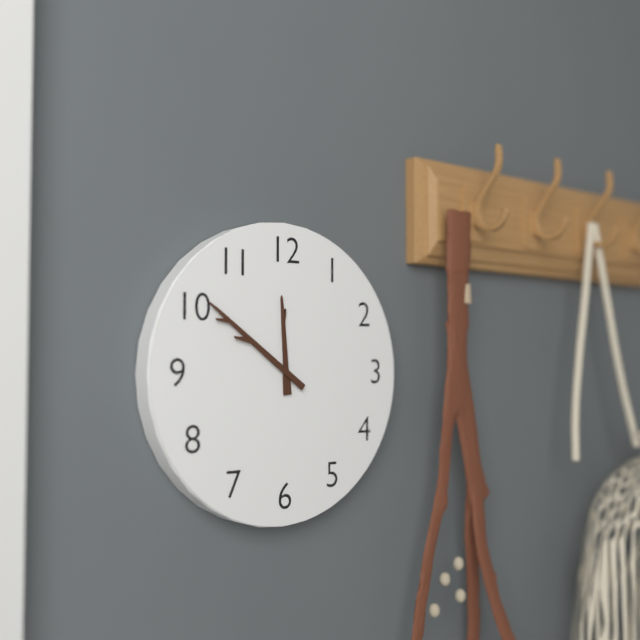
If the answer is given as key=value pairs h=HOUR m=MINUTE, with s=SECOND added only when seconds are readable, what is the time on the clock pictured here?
h=11 m=51
